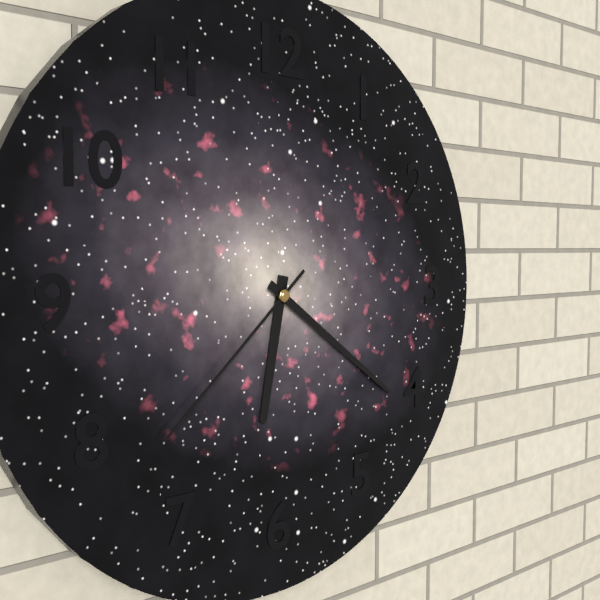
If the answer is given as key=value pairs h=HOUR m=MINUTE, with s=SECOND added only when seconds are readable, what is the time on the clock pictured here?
h=6 m=21 s=38
